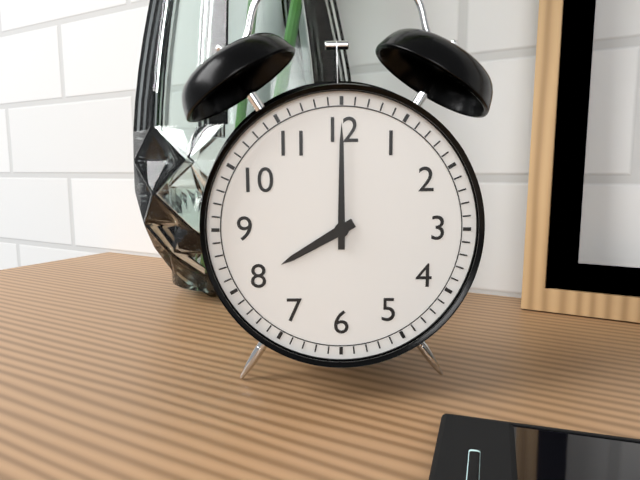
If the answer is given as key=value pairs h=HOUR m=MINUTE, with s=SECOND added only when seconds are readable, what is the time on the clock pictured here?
h=8 m=0
